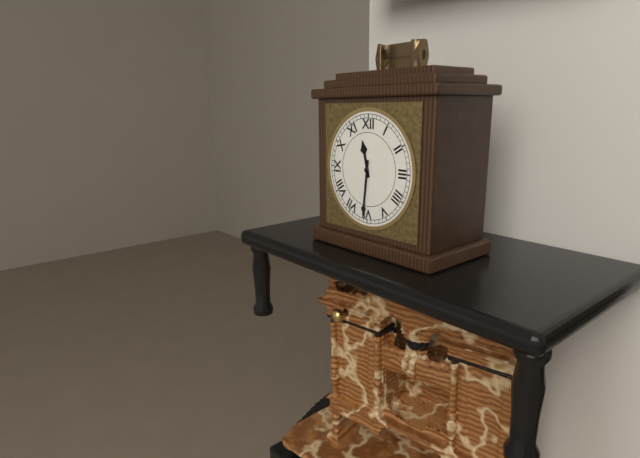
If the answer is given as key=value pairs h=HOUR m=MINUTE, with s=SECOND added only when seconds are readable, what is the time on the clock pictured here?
h=11 m=31
